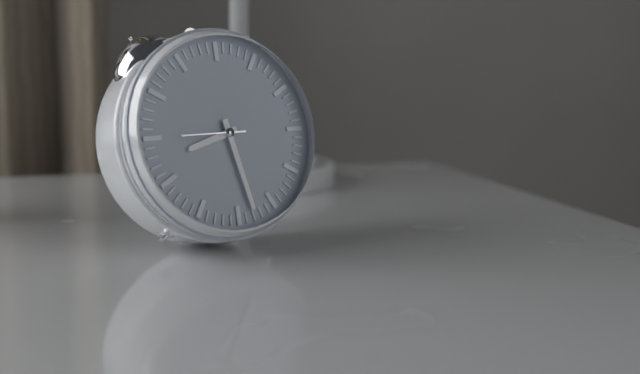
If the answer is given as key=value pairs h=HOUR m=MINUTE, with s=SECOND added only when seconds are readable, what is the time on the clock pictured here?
h=8 m=28 s=45
